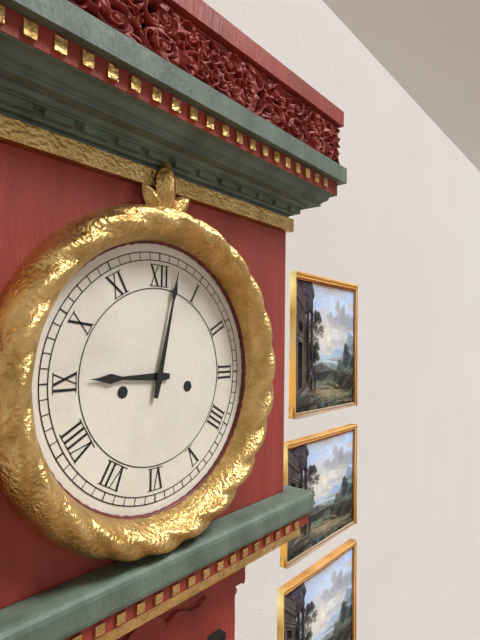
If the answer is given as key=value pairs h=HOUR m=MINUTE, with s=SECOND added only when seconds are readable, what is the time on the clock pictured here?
h=9 m=2
